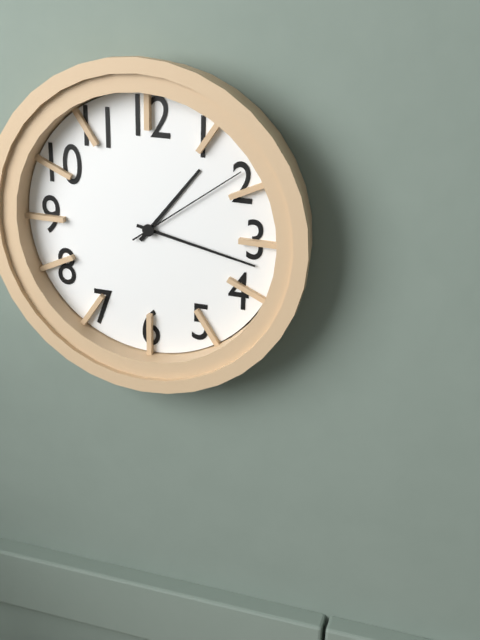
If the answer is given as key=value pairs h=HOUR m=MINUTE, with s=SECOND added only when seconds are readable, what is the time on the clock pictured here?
h=1 m=17 s=9
